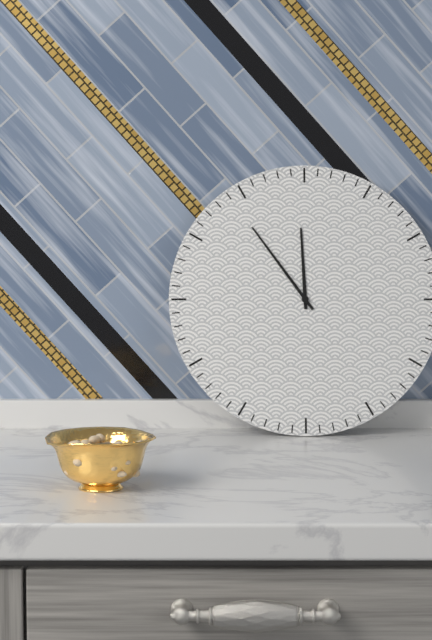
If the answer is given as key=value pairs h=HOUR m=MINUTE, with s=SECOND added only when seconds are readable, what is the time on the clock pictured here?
h=11 m=54
